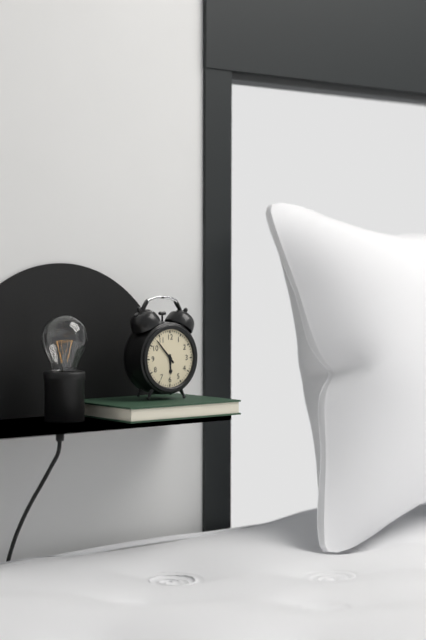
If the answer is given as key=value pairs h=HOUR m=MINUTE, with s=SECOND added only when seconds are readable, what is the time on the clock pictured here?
h=5 m=53
